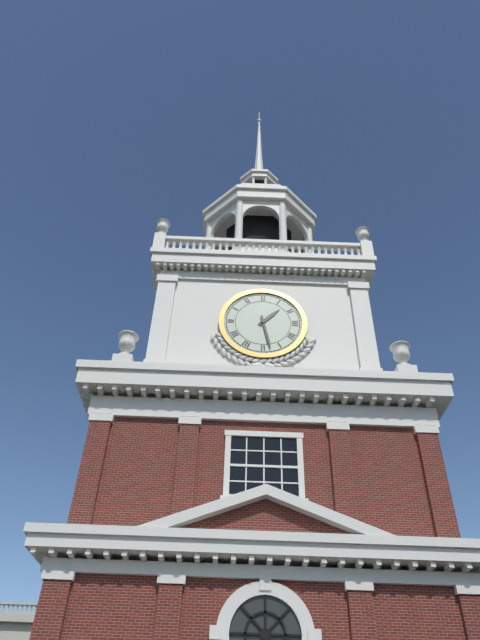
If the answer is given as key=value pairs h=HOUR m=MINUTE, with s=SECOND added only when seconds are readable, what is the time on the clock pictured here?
h=1 m=28
